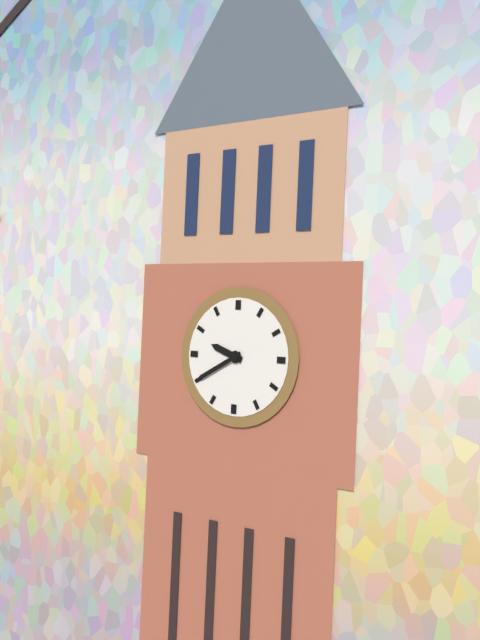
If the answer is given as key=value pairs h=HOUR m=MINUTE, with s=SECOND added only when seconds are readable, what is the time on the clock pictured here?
h=9 m=40
